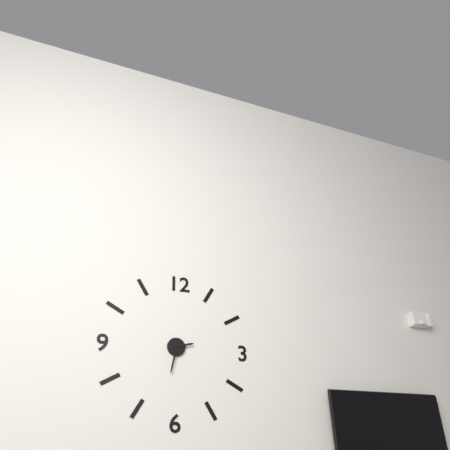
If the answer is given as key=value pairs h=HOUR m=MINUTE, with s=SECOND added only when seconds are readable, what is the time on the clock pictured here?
h=2 m=32
